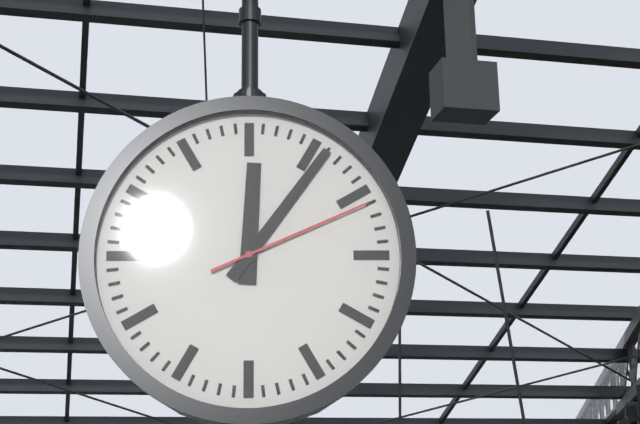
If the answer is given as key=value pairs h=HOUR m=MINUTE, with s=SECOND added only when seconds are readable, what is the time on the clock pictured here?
h=12 m=6 s=11
